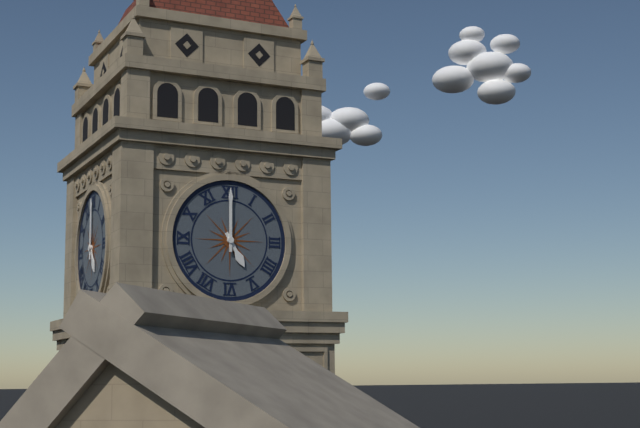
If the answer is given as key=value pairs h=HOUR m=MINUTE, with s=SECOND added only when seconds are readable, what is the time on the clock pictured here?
h=5 m=0
